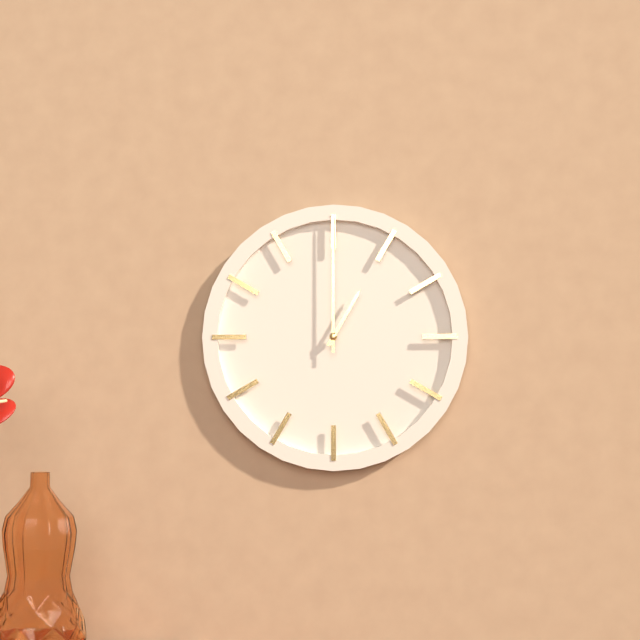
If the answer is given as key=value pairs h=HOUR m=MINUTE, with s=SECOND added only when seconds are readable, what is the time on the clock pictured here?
h=1 m=0
